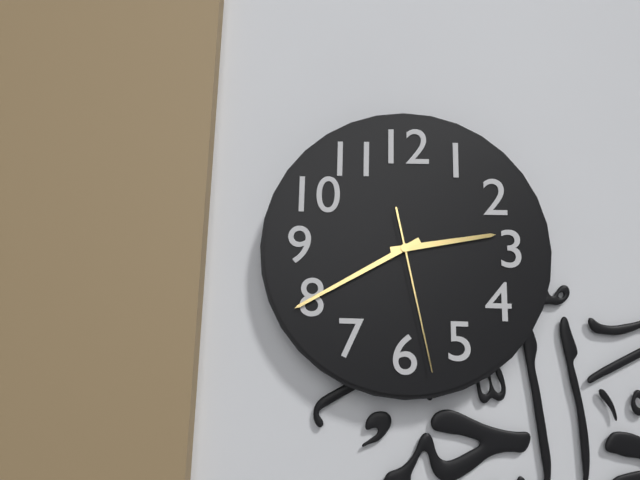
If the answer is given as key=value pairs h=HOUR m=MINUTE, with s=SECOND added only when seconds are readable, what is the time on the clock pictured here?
h=2 m=40 s=28
